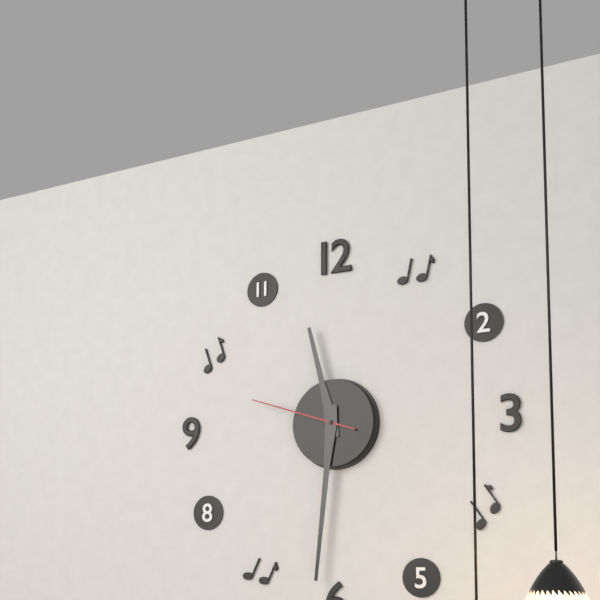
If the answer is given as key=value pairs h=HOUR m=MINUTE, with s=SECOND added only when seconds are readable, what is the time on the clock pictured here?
h=11 m=31 s=48
